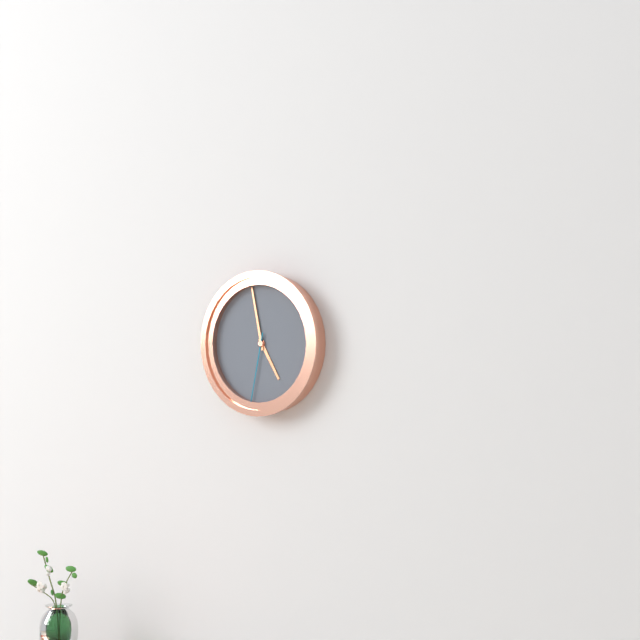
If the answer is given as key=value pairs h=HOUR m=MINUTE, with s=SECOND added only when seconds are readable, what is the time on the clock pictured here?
h=4 m=58 s=32
